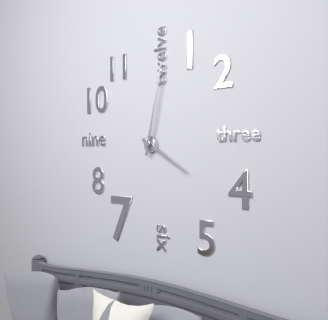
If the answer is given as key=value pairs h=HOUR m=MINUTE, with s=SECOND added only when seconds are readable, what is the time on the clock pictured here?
h=4 m=2
